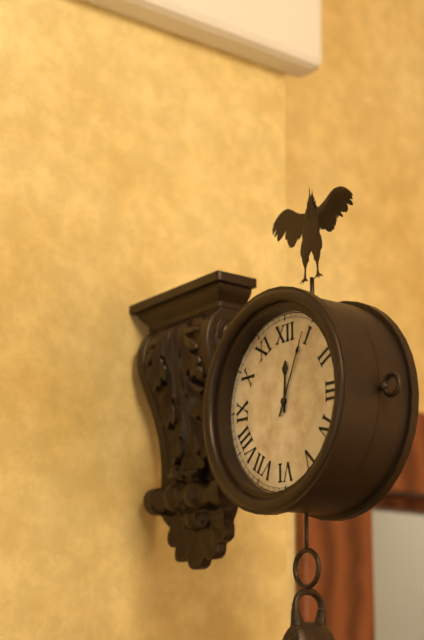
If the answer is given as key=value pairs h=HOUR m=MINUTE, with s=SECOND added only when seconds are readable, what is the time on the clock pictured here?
h=12 m=4
